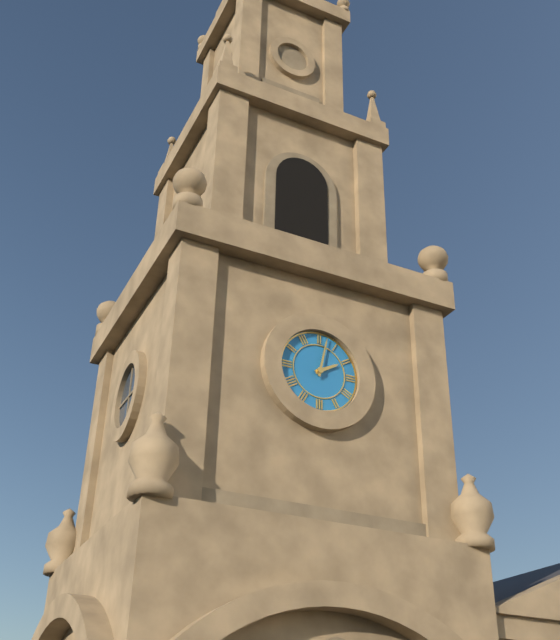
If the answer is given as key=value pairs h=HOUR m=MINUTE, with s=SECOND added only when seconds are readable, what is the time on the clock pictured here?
h=2 m=2
